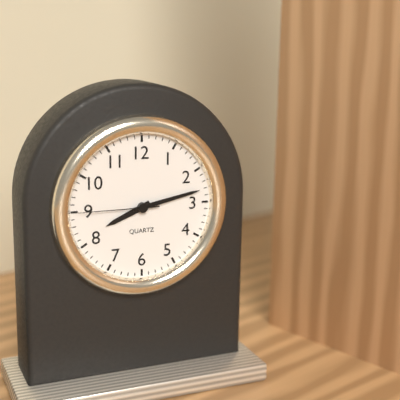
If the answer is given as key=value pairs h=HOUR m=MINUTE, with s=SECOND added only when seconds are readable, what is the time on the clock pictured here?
h=8 m=13 s=45
